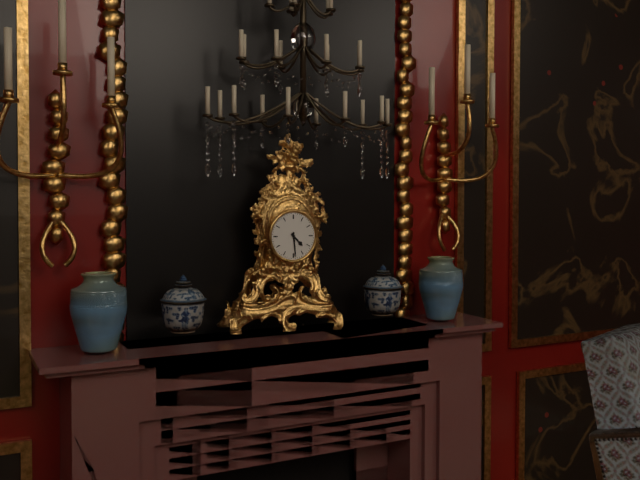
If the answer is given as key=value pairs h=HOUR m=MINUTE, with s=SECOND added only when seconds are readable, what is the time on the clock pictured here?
h=4 m=29
